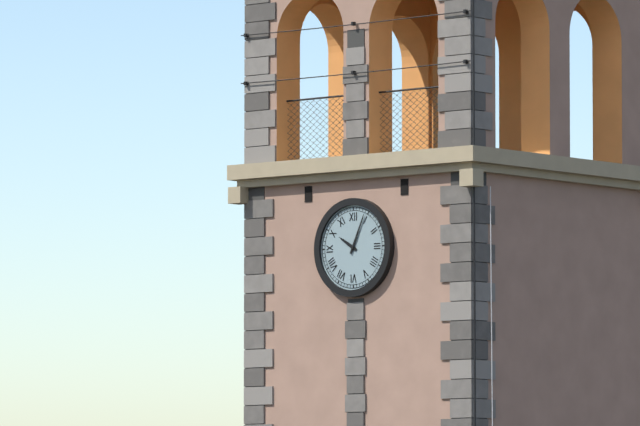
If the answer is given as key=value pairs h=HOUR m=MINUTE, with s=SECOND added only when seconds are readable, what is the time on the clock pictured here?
h=10 m=4
